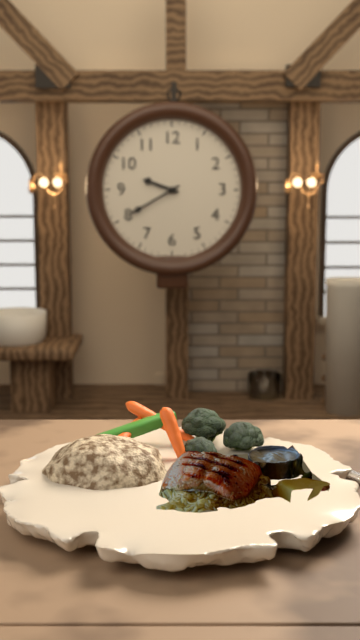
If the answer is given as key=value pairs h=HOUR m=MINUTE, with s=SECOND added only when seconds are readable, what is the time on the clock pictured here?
h=9 m=40
